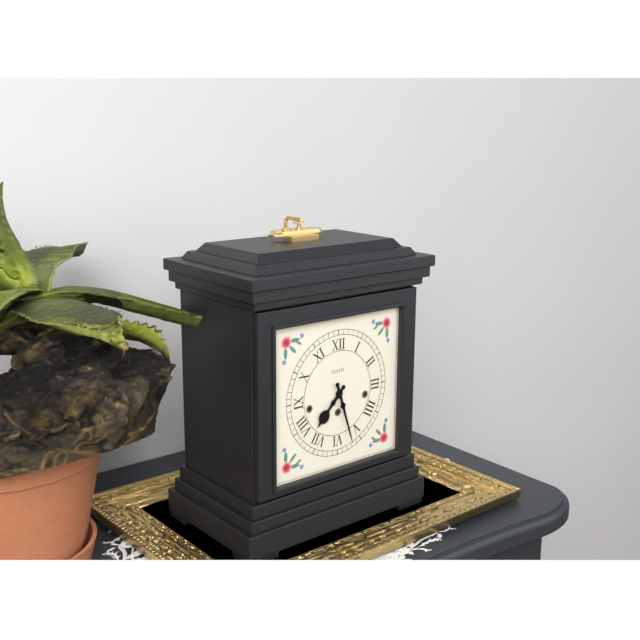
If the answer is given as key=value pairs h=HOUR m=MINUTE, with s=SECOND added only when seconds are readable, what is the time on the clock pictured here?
h=7 m=27
